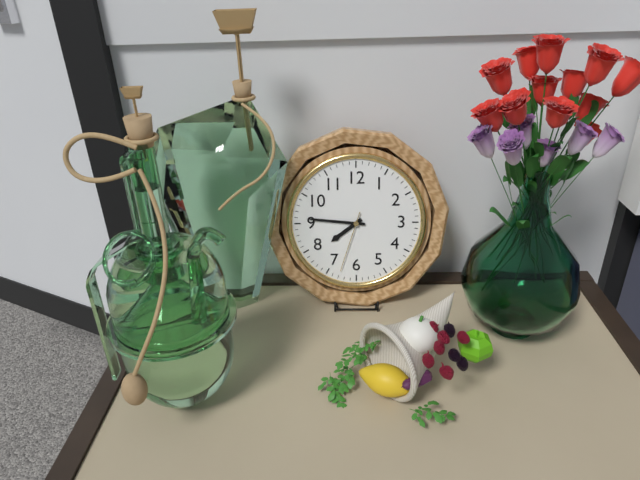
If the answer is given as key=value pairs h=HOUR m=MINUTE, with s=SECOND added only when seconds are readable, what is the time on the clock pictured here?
h=7 m=46 s=33
